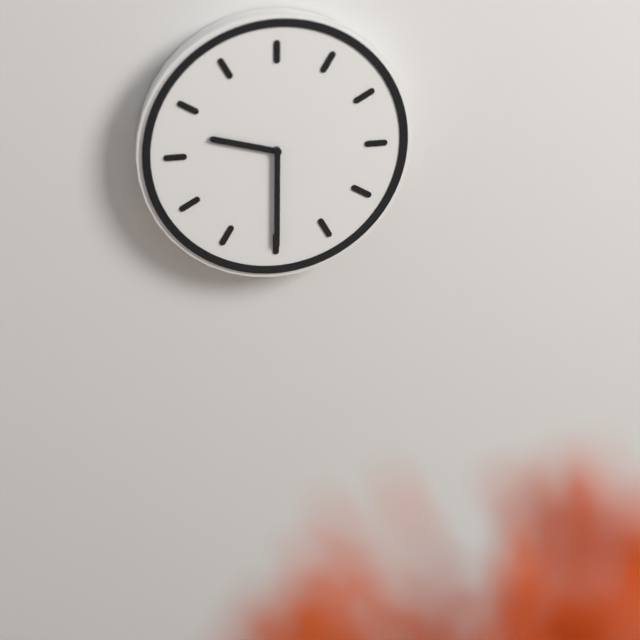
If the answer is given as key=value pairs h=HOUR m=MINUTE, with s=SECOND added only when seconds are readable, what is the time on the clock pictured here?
h=9 m=30
